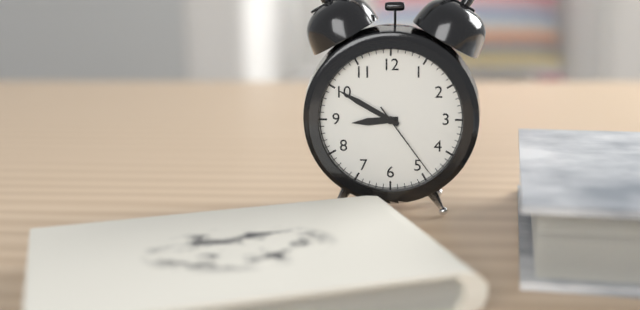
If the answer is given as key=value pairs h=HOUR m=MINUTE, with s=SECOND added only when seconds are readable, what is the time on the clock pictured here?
h=8 m=50 s=24
